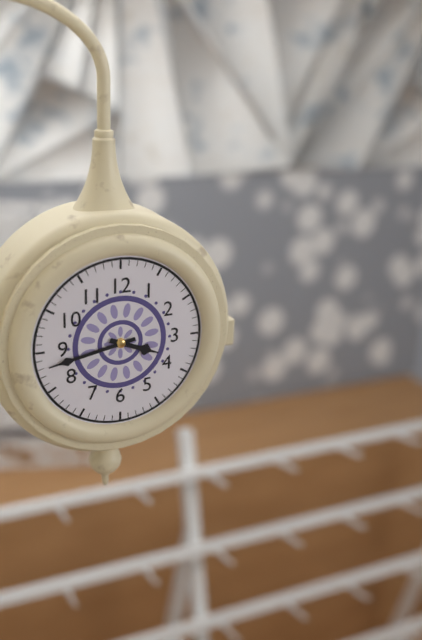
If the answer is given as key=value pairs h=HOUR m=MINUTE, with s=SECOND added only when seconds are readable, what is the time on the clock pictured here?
h=3 m=43
